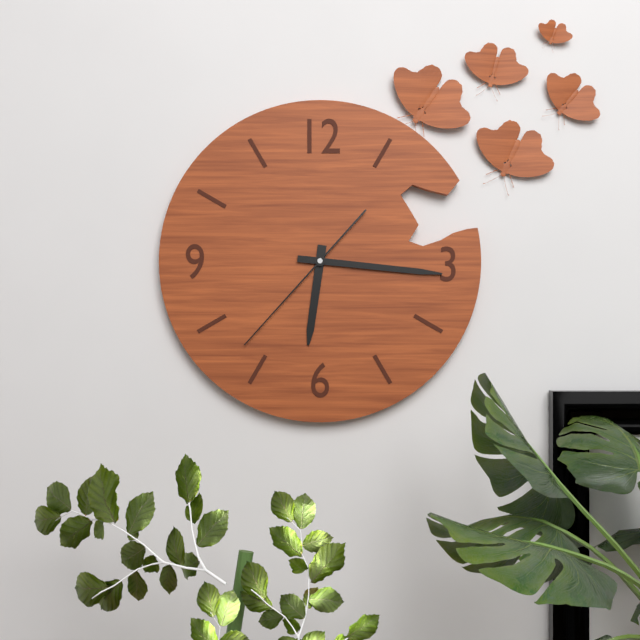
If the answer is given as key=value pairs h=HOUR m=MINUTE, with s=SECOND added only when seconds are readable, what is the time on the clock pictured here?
h=6 m=16 s=37
